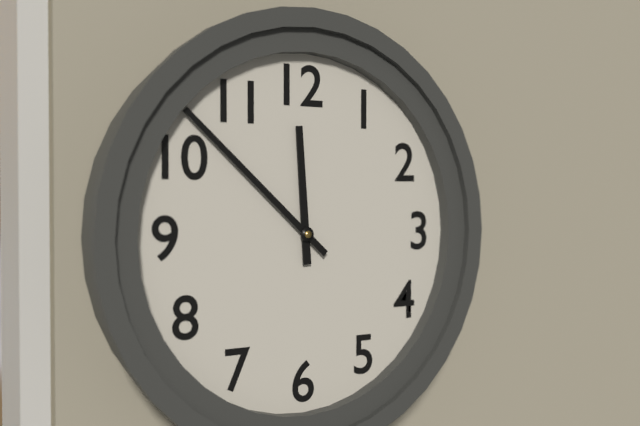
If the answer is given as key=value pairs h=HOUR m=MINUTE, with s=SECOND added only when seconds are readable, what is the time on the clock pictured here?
h=11 m=52
